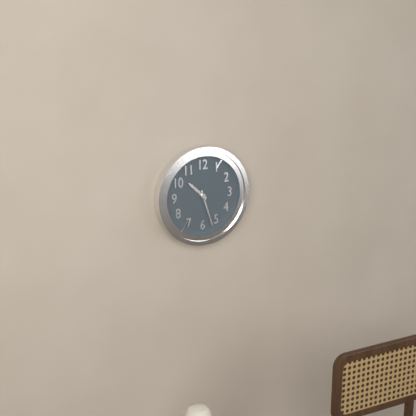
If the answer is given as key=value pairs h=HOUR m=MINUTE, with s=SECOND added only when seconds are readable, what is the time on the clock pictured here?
h=10 m=27
